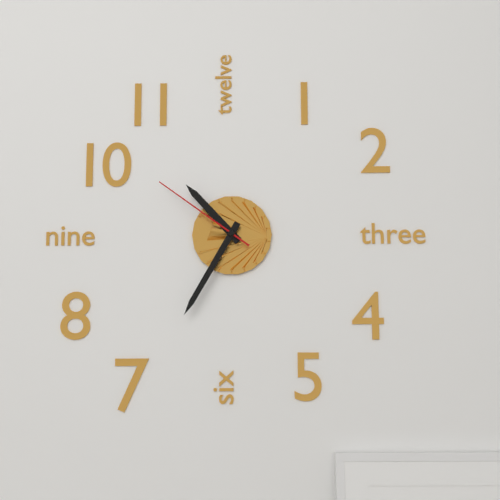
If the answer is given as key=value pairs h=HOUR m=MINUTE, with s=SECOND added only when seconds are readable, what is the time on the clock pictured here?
h=10 m=35 s=51
